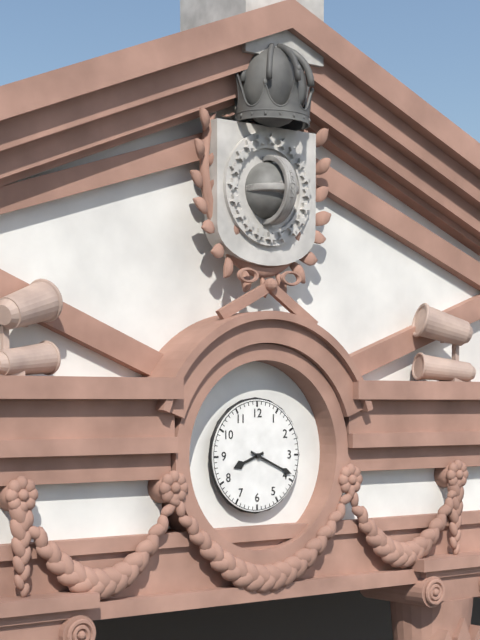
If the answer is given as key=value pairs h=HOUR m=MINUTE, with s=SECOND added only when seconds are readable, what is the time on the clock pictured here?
h=8 m=19
